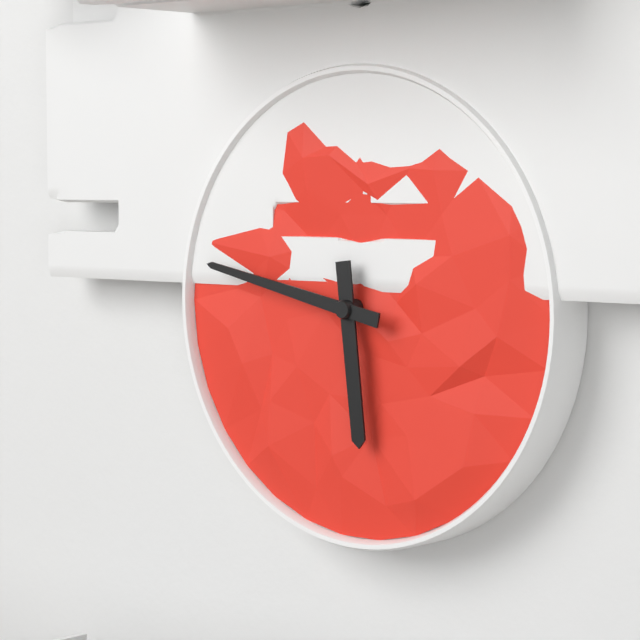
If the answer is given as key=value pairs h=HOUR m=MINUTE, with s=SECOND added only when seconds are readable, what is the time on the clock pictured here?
h=5 m=47
